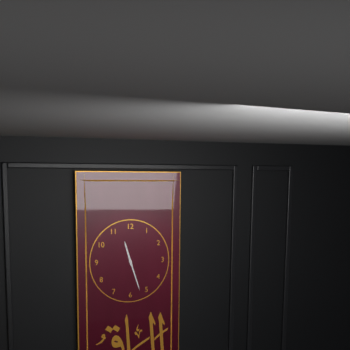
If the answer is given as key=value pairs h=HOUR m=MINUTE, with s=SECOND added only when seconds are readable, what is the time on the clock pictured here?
h=11 m=27
